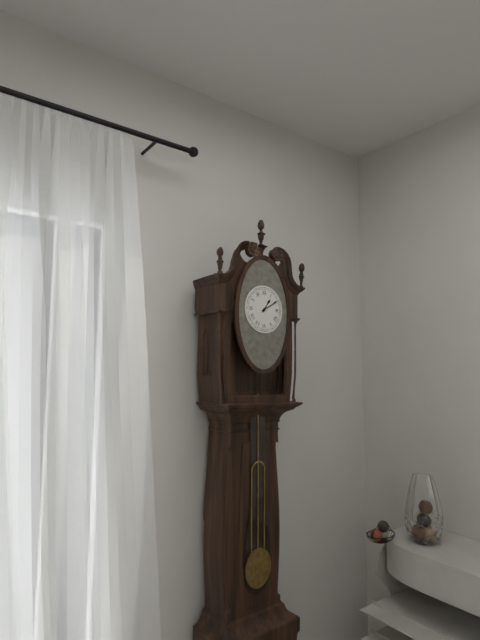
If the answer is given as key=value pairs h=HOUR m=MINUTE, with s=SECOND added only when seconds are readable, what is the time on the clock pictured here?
h=1 m=10
